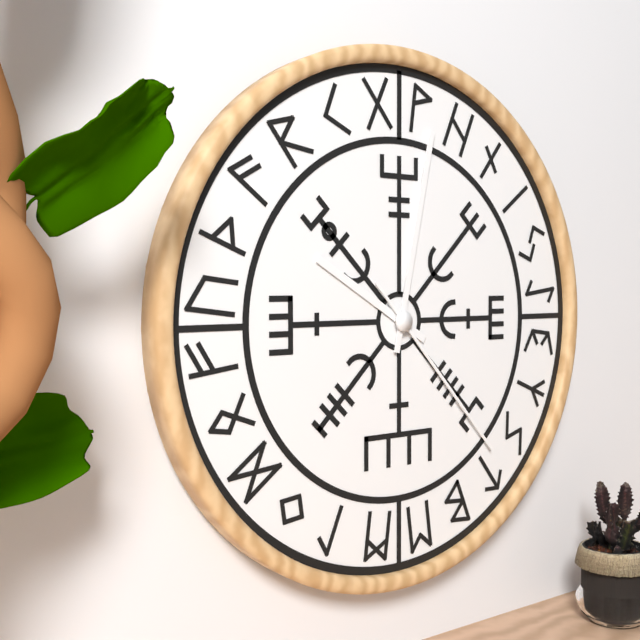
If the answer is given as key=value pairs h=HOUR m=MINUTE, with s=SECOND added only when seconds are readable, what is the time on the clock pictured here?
h=10 m=2 s=23
